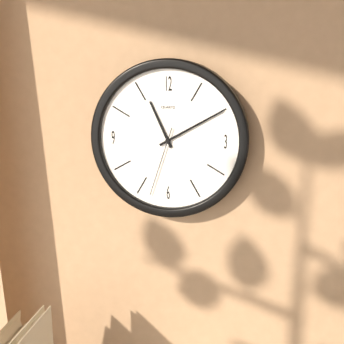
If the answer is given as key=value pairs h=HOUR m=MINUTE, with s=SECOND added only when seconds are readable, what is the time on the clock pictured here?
h=11 m=10 s=33
